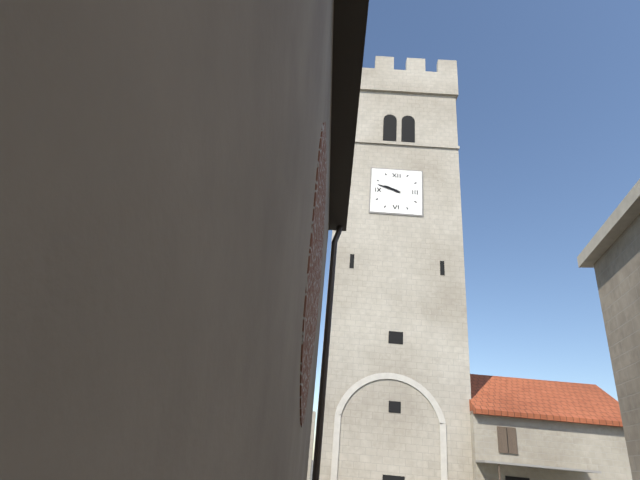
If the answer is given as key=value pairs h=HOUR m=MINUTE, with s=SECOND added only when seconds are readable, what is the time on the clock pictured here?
h=9 m=48
